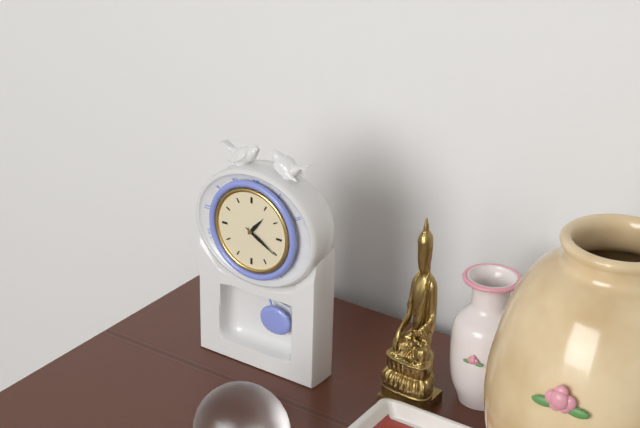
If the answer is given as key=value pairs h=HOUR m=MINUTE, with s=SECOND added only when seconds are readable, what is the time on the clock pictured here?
h=1 m=20
